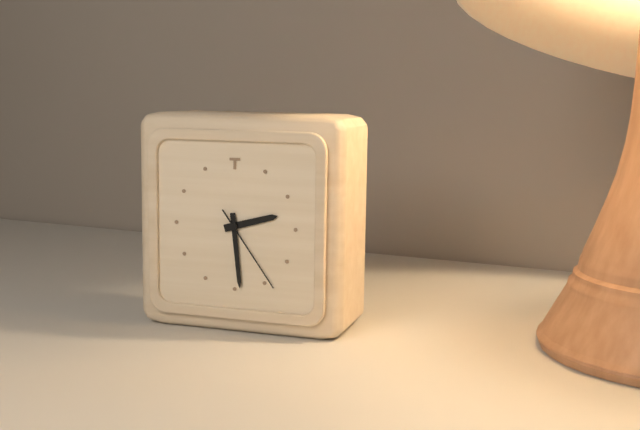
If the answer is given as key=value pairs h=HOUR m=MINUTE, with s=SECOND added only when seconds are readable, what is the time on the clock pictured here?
h=2 m=29 s=24
